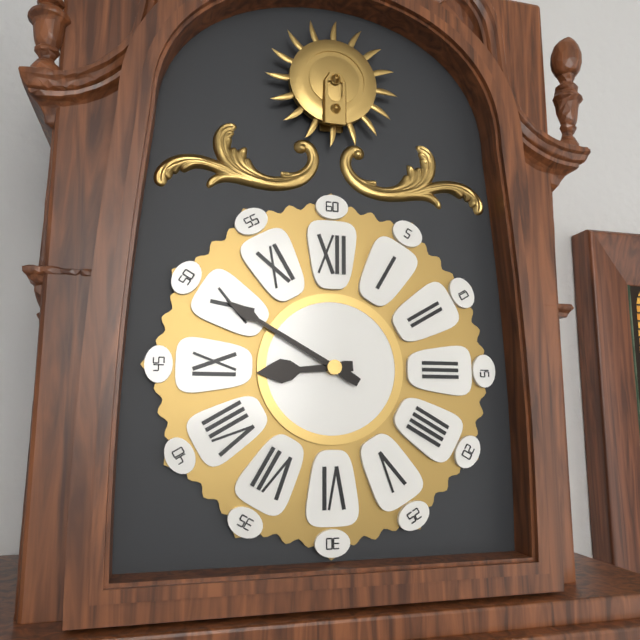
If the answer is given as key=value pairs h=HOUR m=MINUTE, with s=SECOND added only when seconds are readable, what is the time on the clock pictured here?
h=8 m=50
